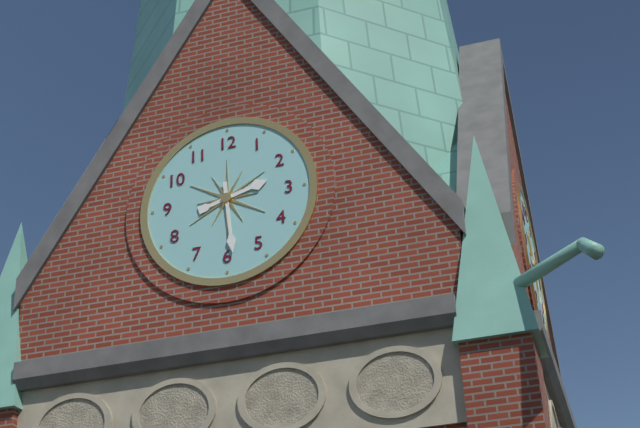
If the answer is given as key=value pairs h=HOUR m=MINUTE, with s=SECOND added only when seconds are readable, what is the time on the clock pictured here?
h=2 m=29
